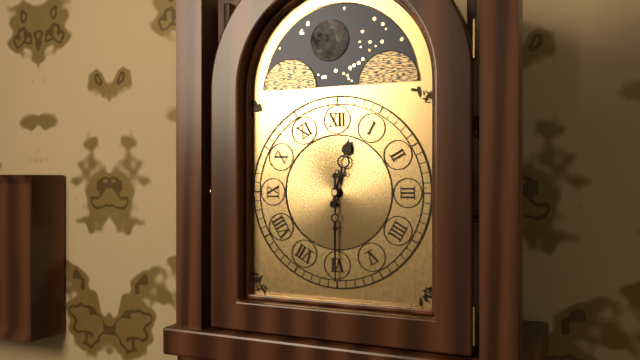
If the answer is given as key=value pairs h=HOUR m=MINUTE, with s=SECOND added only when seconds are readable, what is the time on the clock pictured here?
h=12 m=30
